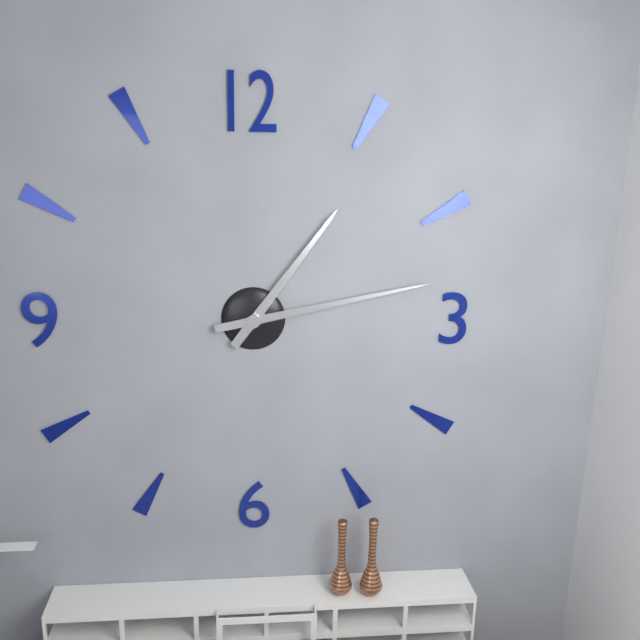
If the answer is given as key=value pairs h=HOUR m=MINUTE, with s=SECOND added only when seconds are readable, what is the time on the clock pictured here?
h=1 m=13
